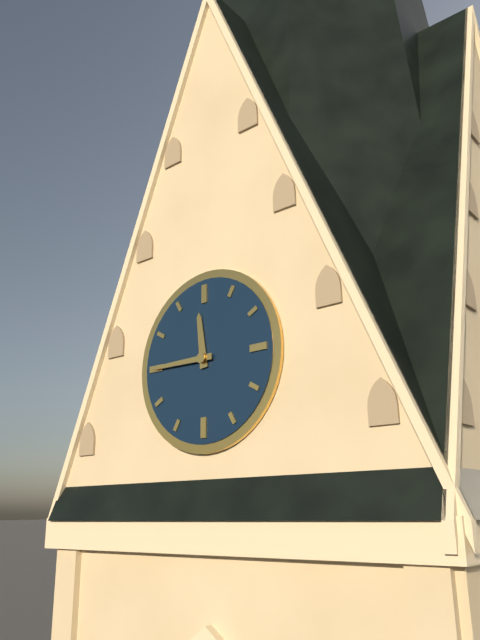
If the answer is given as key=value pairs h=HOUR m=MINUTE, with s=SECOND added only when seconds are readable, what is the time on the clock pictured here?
h=11 m=45
